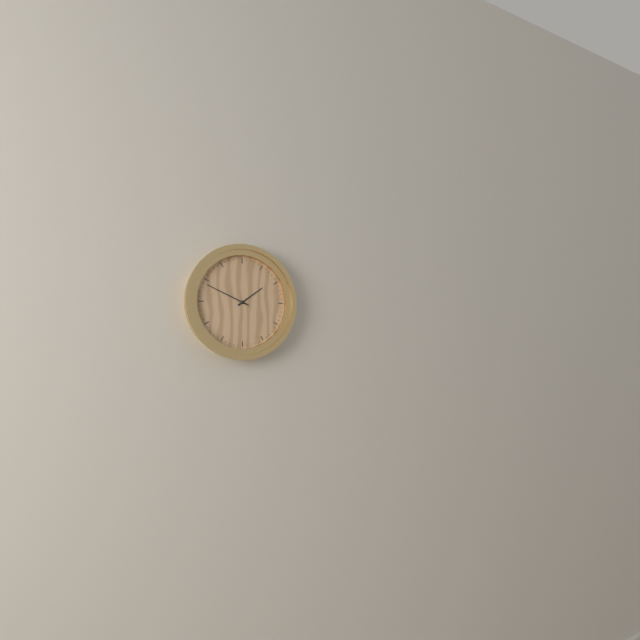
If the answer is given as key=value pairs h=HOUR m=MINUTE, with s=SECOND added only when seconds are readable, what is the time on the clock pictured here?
h=1 m=49
